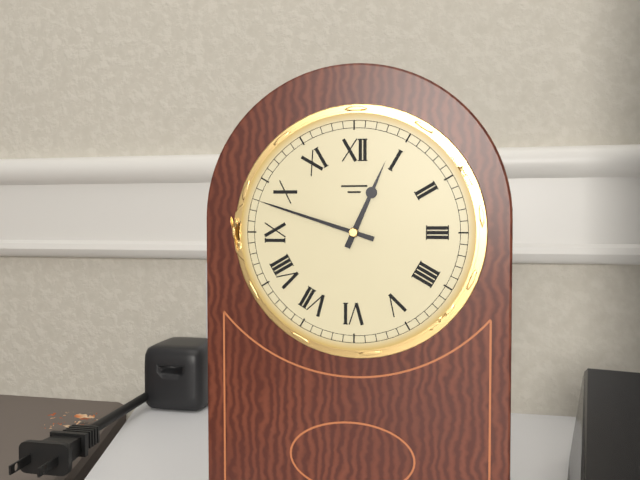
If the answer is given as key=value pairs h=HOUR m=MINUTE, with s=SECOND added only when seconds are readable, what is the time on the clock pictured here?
h=12 m=48
